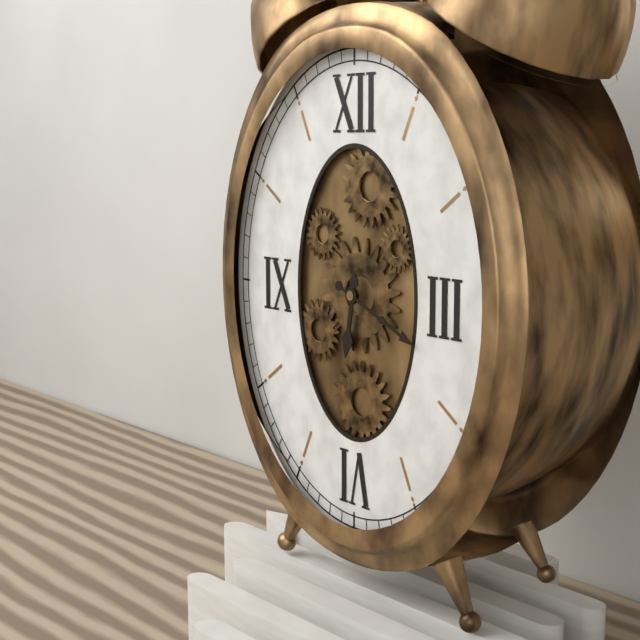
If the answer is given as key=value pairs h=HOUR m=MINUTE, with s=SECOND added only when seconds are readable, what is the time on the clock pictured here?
h=6 m=19
